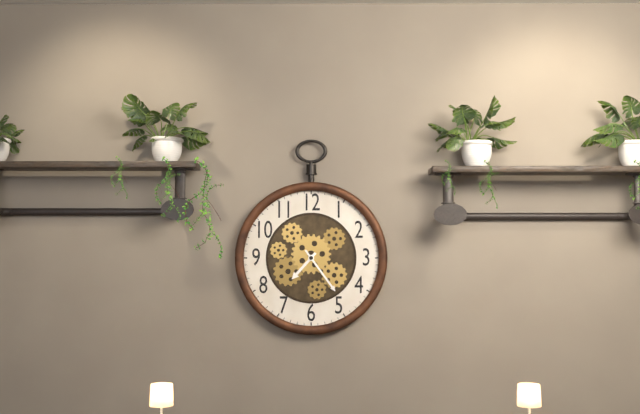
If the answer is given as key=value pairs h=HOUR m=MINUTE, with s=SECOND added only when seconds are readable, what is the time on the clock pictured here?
h=7 m=24
